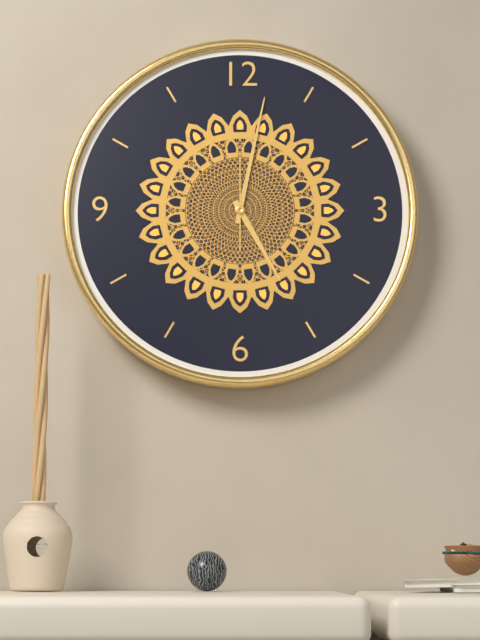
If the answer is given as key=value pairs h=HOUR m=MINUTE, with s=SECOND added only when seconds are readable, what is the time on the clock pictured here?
h=5 m=2 s=0
